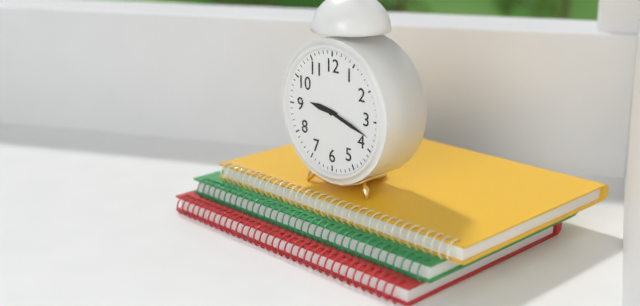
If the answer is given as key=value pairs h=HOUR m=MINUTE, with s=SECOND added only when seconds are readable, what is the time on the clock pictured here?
h=9 m=18
